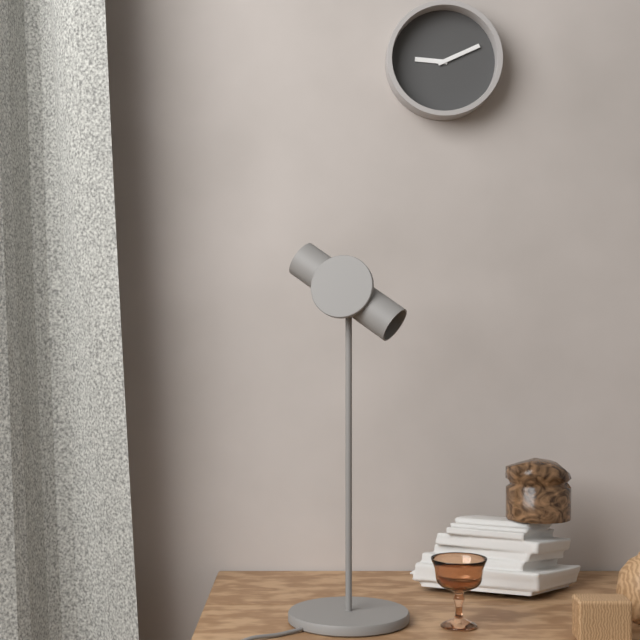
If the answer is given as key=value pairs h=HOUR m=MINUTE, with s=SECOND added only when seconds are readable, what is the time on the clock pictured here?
h=9 m=11
